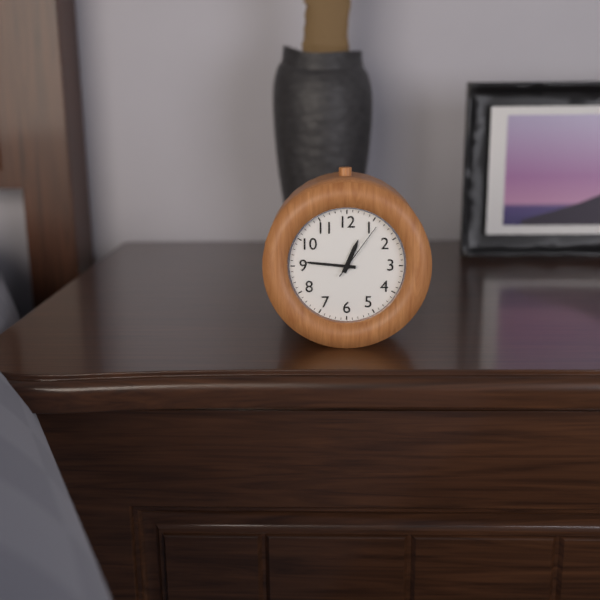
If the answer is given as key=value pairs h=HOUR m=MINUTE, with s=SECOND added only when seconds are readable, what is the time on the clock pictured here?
h=12 m=46 s=6
